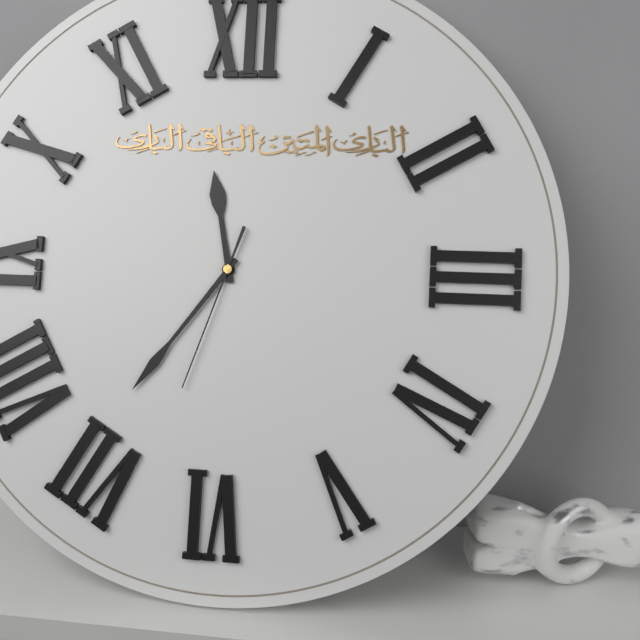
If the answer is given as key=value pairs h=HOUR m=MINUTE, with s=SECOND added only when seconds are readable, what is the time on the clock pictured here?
h=11 m=36 s=33
